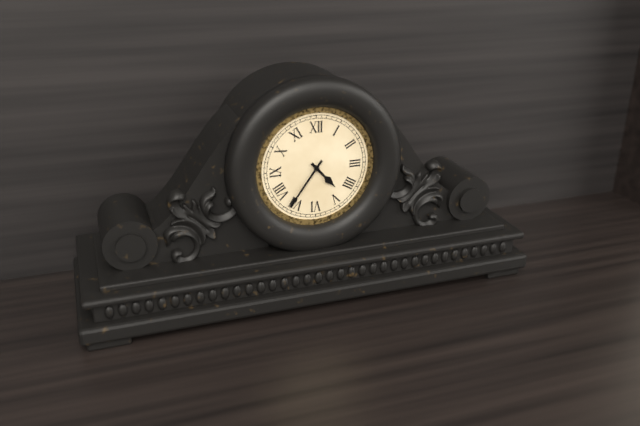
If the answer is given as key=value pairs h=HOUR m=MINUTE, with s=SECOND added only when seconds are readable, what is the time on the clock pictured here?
h=4 m=36
